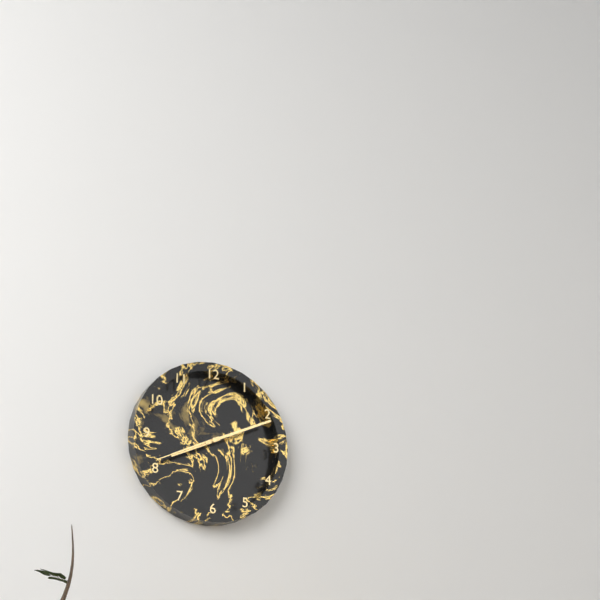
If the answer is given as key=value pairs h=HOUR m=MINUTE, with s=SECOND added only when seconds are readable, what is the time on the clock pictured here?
h=8 m=11 s=41
